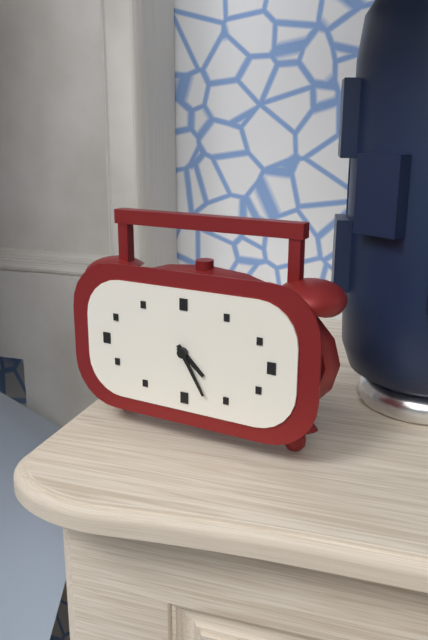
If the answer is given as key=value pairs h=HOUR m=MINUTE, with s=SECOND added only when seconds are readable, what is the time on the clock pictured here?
h=4 m=25
